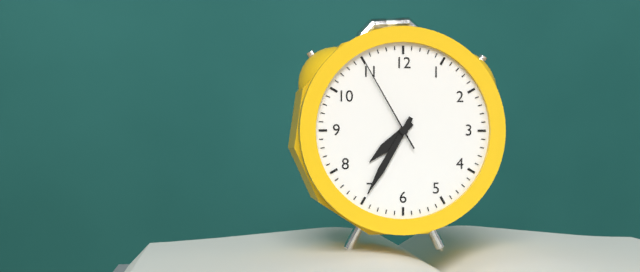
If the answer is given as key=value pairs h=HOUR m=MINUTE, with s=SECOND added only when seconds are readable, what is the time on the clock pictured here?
h=7 m=35 s=55
